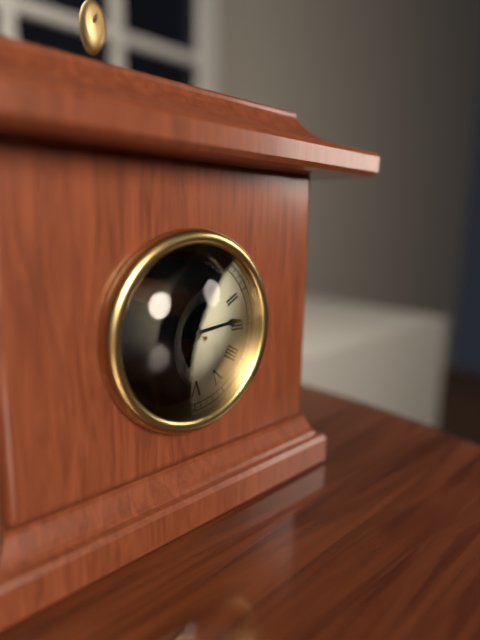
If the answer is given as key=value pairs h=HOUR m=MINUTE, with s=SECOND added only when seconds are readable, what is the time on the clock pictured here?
h=11 m=14 s=50
